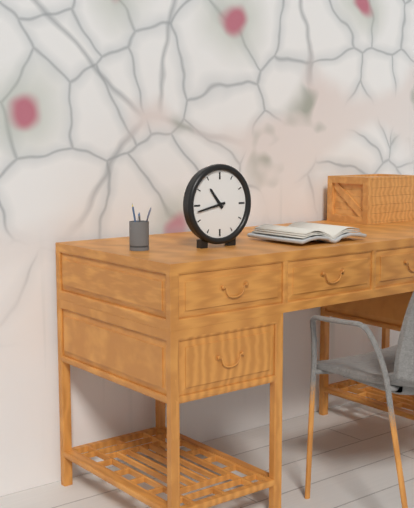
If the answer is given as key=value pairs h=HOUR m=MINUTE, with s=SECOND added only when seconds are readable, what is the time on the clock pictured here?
h=10 m=43
